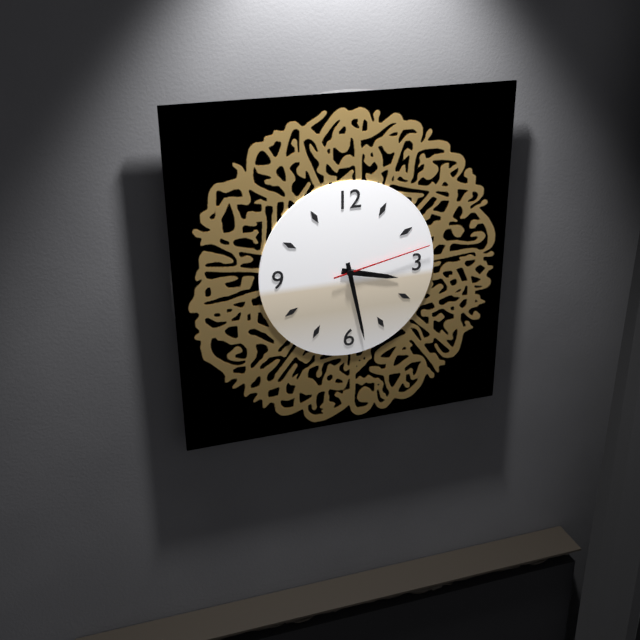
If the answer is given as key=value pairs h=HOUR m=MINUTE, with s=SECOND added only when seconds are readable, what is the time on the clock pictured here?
h=3 m=28 s=13
